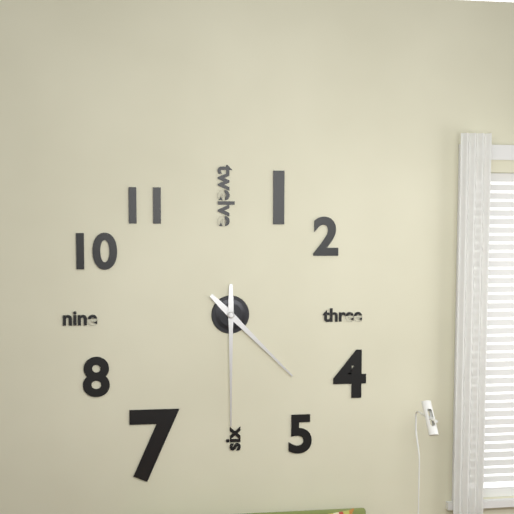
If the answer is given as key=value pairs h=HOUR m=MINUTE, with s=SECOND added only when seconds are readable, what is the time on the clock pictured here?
h=4 m=30
